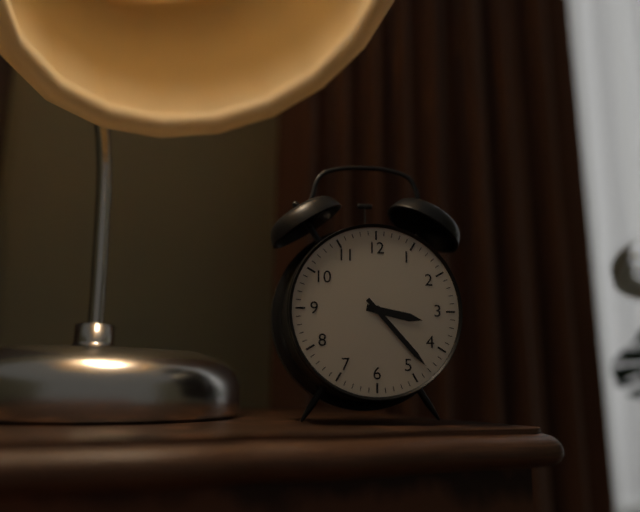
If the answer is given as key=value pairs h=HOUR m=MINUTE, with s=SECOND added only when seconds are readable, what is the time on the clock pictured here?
h=3 m=23
